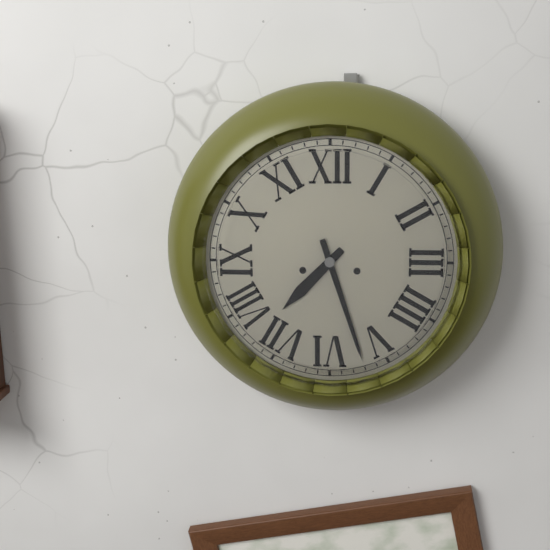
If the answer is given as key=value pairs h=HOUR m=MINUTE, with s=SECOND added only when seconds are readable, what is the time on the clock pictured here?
h=7 m=27
